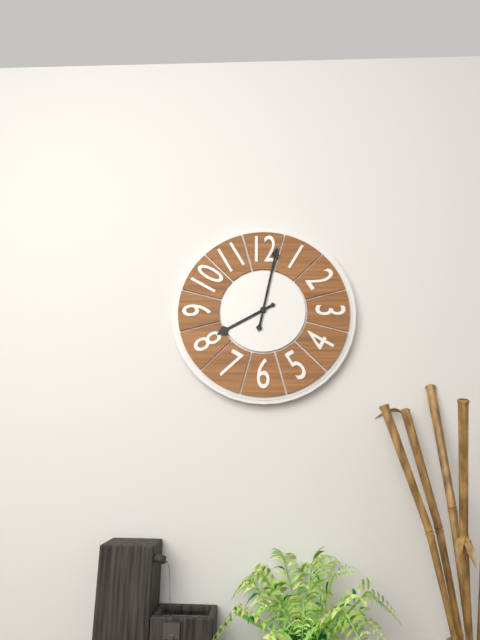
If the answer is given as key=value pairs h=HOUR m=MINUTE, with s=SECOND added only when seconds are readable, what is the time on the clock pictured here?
h=8 m=2
